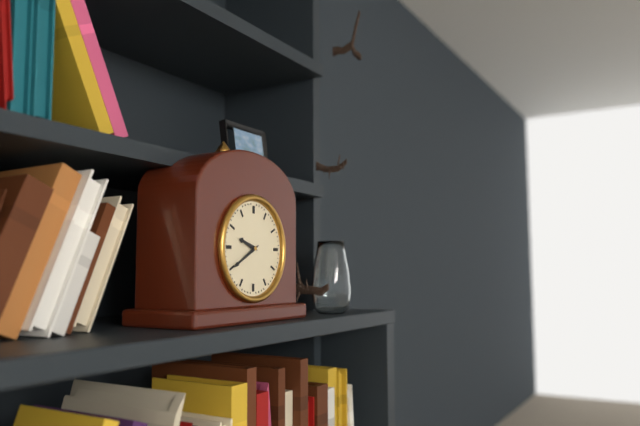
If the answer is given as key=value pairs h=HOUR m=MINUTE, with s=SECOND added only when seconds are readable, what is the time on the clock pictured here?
h=9 m=40
